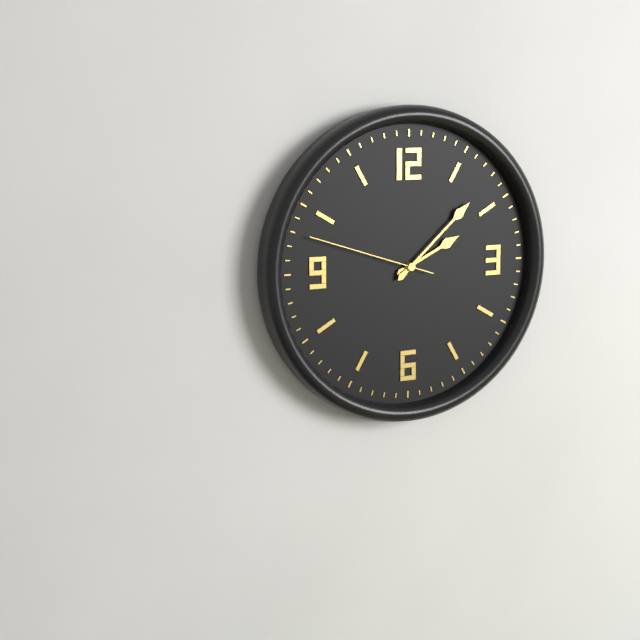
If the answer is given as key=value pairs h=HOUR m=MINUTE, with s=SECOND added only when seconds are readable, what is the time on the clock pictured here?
h=2 m=8 s=48
